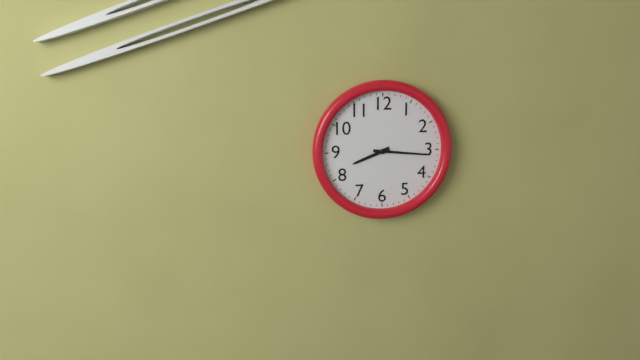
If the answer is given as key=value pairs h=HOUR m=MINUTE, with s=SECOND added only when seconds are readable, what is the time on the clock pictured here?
h=8 m=16
